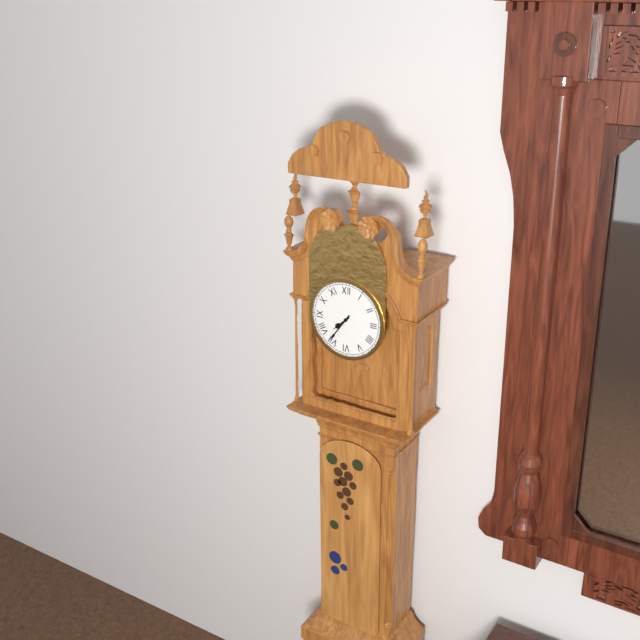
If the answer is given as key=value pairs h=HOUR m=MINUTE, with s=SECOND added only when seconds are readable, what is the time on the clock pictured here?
h=7 m=36
